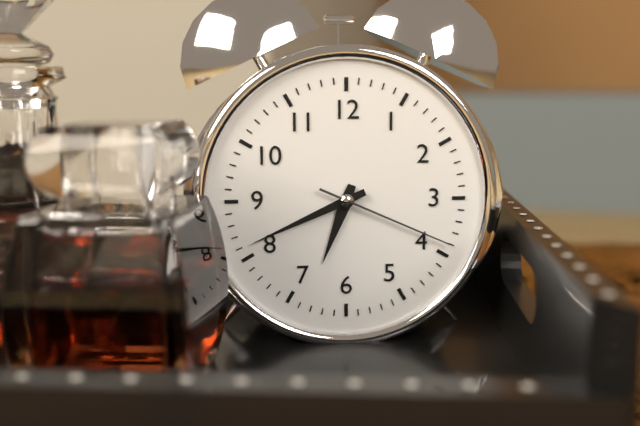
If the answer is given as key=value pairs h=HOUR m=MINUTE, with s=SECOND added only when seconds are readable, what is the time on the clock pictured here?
h=6 m=41 s=19
